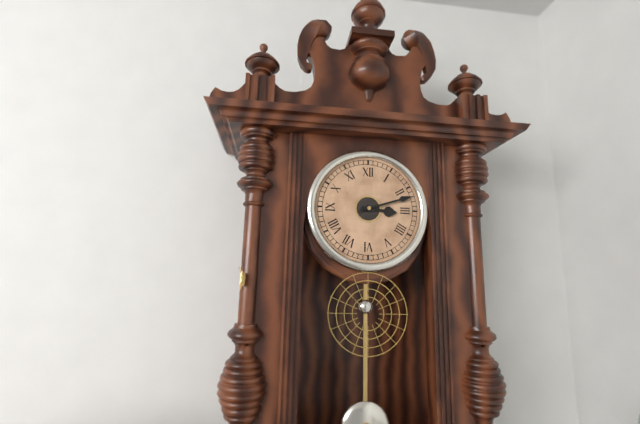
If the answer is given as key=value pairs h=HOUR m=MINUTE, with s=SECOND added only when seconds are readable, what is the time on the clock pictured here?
h=3 m=12
